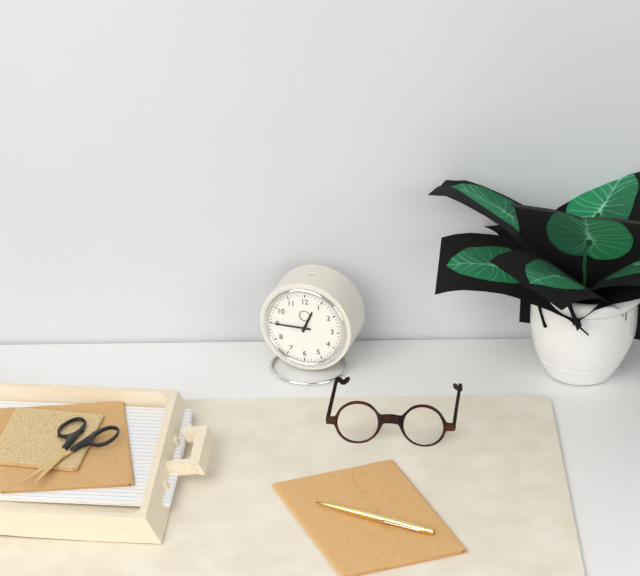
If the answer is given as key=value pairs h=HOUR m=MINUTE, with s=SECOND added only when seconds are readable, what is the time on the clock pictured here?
h=12 m=45
